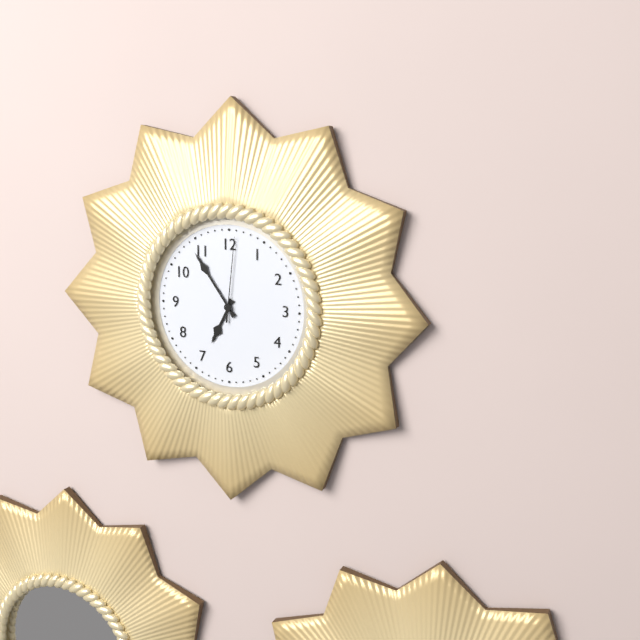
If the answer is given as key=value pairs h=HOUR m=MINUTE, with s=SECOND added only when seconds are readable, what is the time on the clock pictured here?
h=6 m=54 s=1
